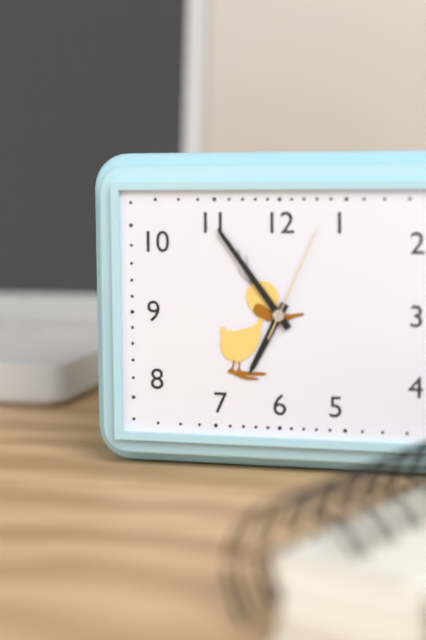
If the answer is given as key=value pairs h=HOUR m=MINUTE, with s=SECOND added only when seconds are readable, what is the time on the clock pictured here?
h=6 m=54 s=4
